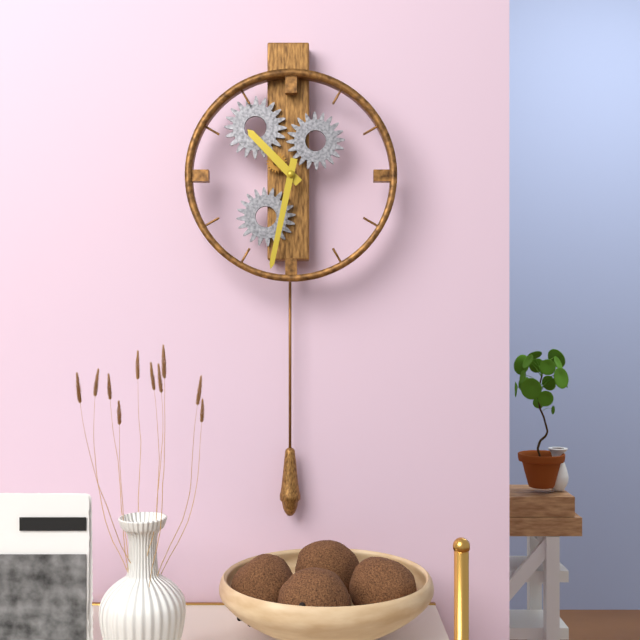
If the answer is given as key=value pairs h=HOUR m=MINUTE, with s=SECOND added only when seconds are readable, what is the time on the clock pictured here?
h=10 m=32
